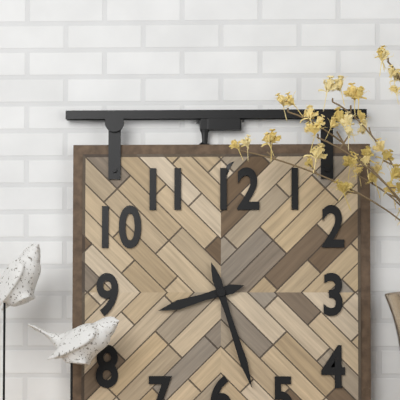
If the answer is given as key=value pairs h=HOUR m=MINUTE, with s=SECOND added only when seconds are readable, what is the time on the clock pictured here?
h=8 m=27
